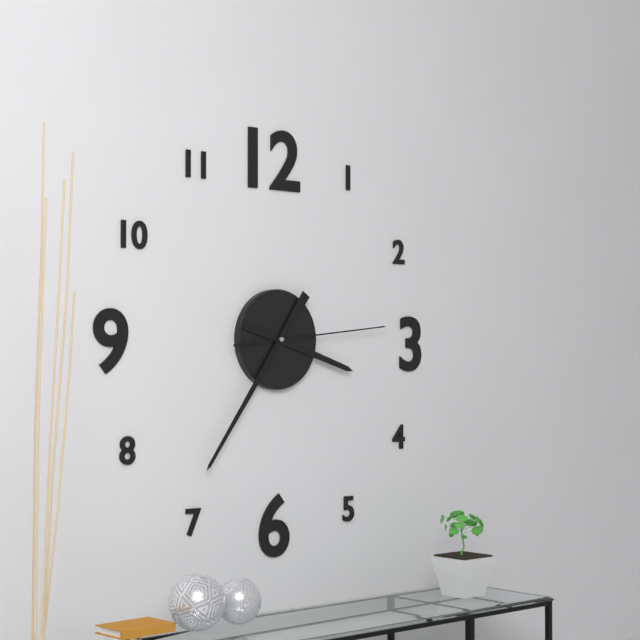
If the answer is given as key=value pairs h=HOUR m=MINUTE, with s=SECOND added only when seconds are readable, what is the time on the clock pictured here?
h=3 m=36 s=14
